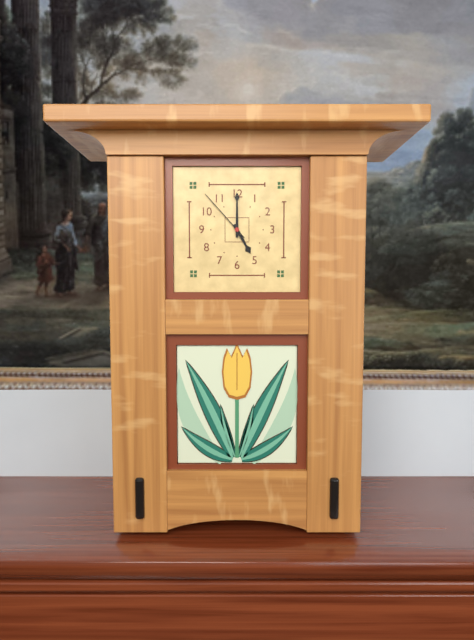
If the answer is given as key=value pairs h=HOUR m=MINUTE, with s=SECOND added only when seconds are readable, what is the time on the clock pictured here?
h=5 m=0 s=53
